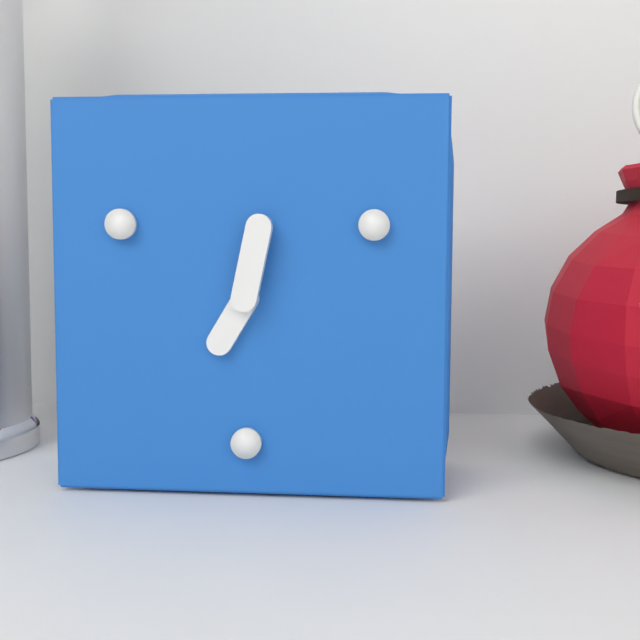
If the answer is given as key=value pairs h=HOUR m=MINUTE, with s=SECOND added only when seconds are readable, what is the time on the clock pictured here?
h=7 m=2
